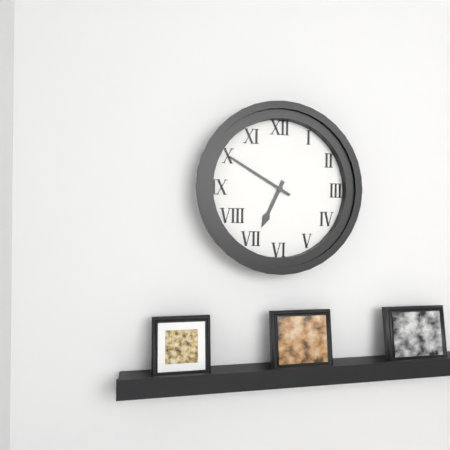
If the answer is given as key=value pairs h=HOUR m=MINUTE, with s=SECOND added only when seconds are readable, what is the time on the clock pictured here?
h=6 m=50
